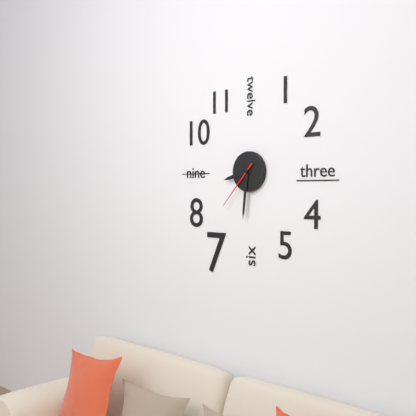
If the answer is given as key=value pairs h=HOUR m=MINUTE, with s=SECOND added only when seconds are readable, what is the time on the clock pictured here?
h=8 m=31 s=37
